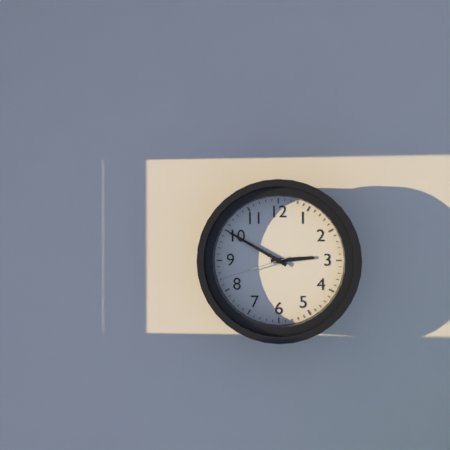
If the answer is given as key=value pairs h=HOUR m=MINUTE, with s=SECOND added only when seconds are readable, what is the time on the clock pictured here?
h=2 m=50 s=42
